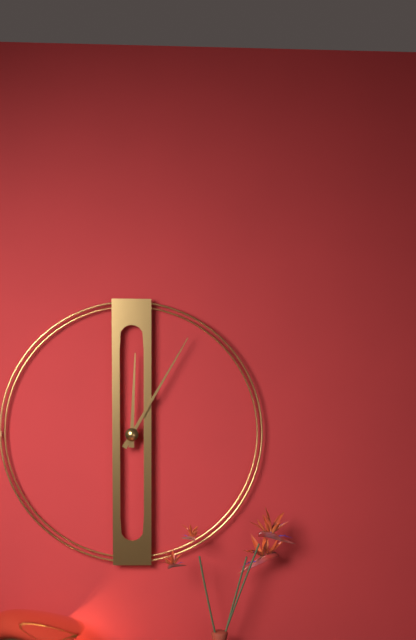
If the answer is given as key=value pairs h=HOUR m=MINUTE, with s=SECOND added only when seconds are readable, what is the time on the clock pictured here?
h=12 m=5
